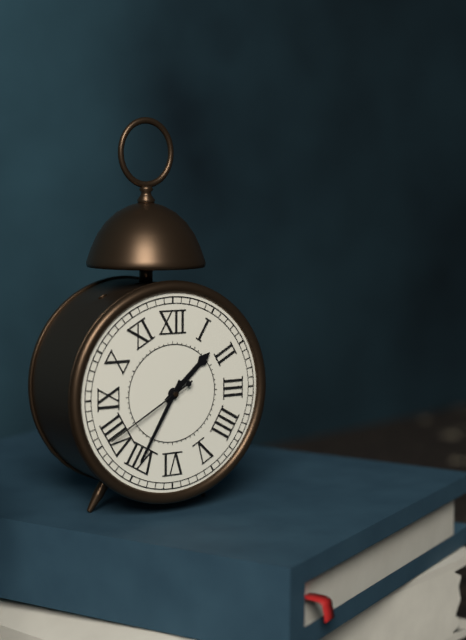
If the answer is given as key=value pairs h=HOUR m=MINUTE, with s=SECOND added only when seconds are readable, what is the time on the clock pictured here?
h=1 m=35 s=40
